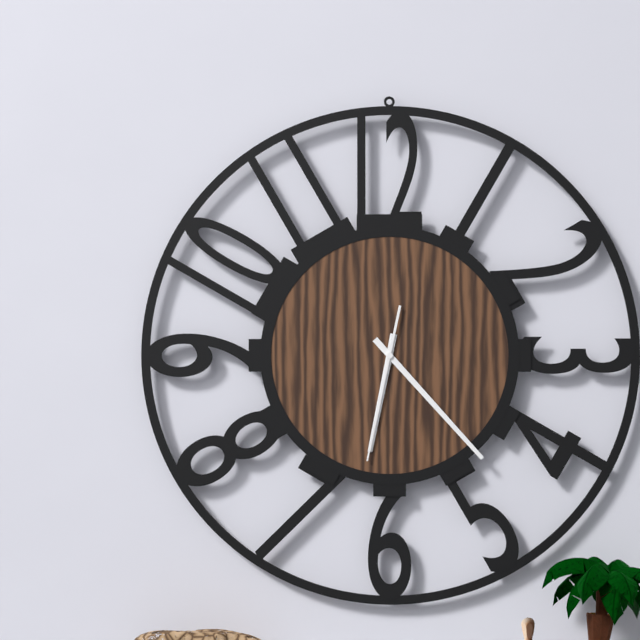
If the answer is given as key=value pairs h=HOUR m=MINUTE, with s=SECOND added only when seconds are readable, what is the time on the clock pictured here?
h=6 m=23 s=32
